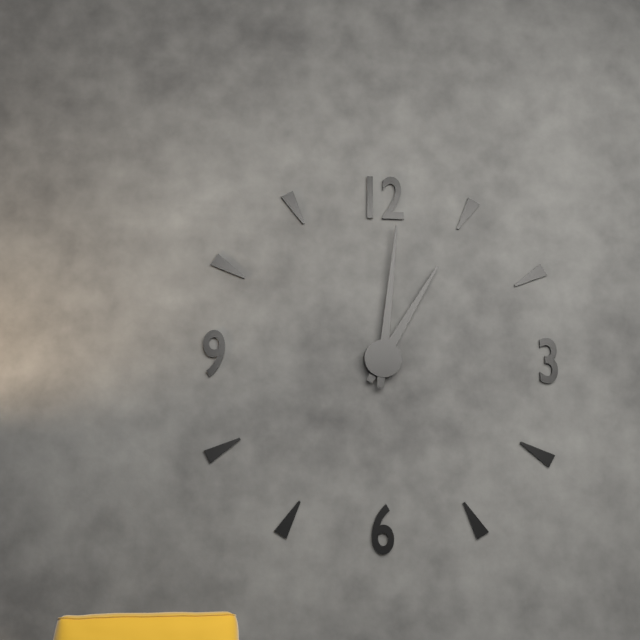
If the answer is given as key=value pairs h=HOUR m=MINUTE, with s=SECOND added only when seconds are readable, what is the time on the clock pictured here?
h=1 m=1
